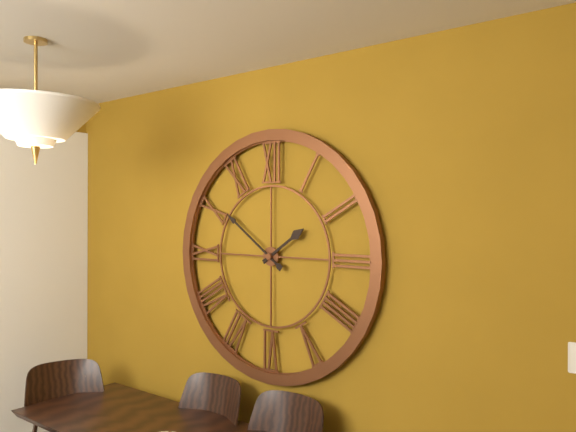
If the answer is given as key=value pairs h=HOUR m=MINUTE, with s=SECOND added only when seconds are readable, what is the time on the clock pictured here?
h=1 m=51
